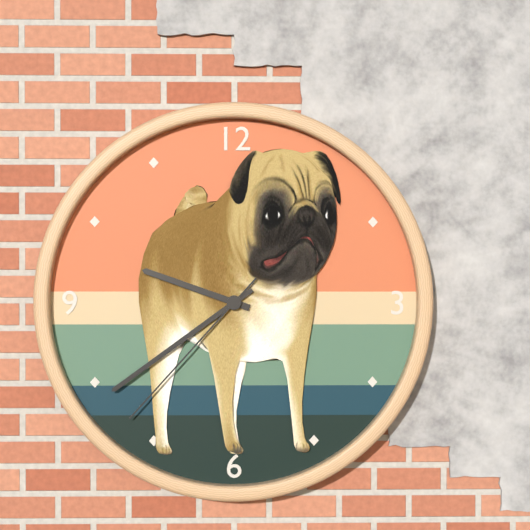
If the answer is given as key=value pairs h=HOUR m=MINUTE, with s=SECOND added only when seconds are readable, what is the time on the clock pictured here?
h=9 m=39 s=37
